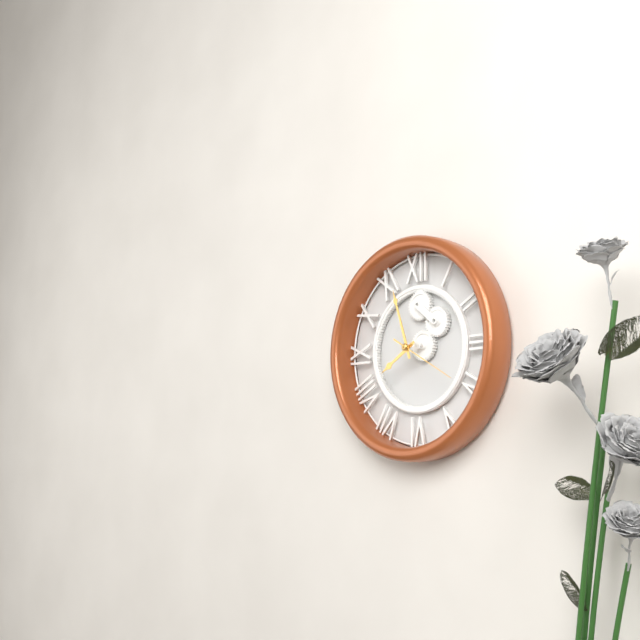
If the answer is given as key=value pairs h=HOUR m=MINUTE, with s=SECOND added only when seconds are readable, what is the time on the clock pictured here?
h=7 m=57 s=20
